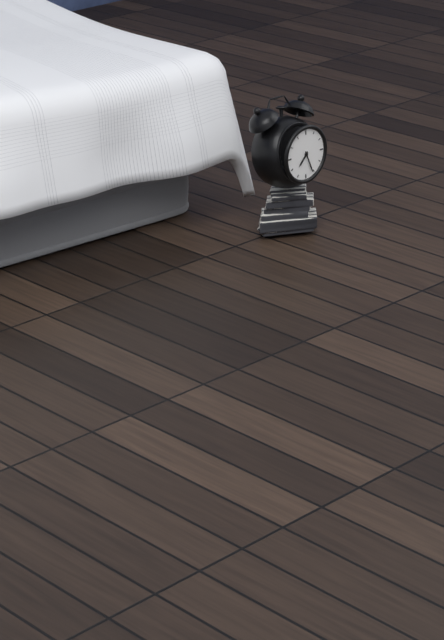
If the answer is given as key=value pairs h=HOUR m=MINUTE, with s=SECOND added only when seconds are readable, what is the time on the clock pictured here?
h=7 m=26
